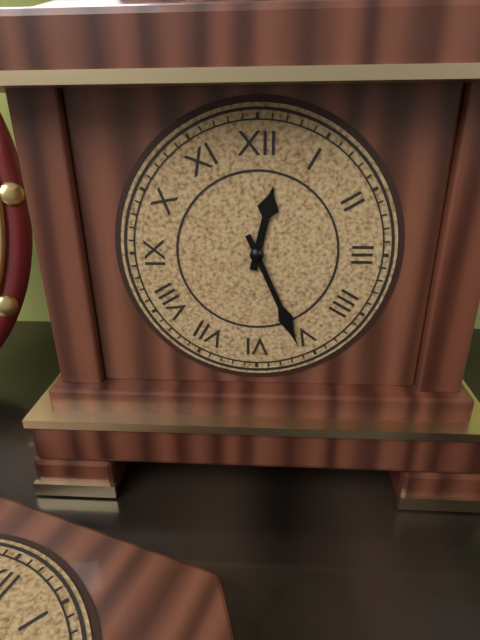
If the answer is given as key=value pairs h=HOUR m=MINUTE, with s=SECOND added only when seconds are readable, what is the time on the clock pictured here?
h=12 m=26
